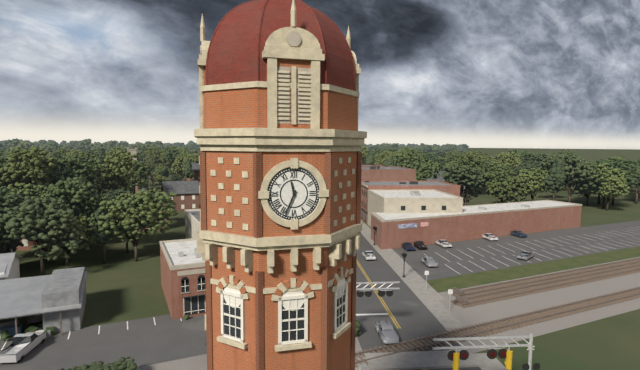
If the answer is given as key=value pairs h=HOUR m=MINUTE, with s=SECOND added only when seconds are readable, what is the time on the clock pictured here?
h=11 m=34
